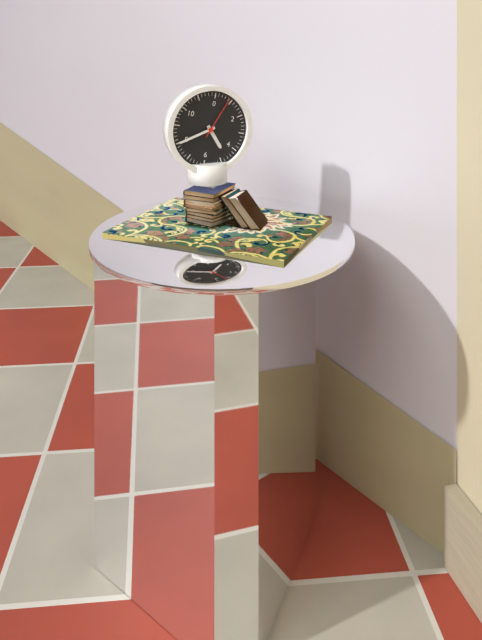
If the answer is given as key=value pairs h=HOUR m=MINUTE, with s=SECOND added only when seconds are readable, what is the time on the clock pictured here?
h=4 m=40
